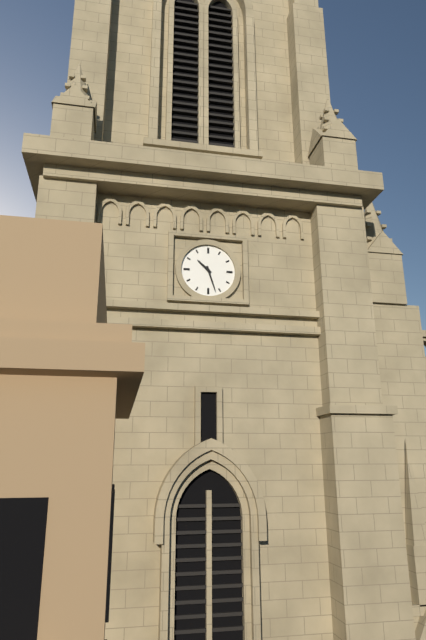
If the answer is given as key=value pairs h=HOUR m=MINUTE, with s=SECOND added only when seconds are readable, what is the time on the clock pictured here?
h=10 m=27
